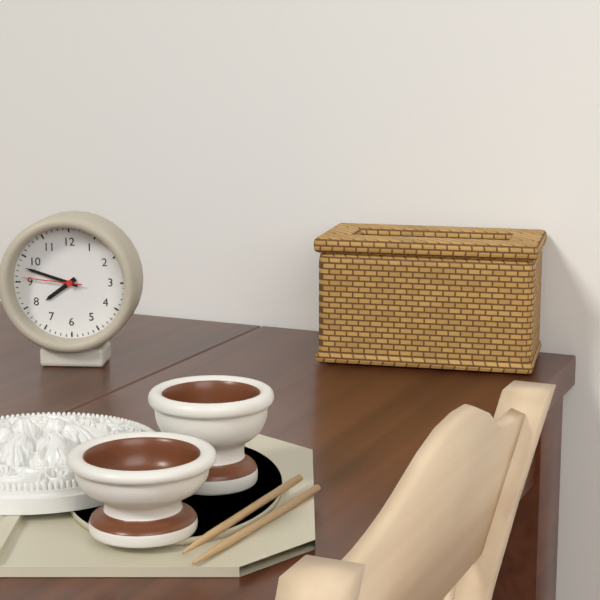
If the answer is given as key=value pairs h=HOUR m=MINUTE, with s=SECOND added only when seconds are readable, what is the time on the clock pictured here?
h=7 m=48 s=46
